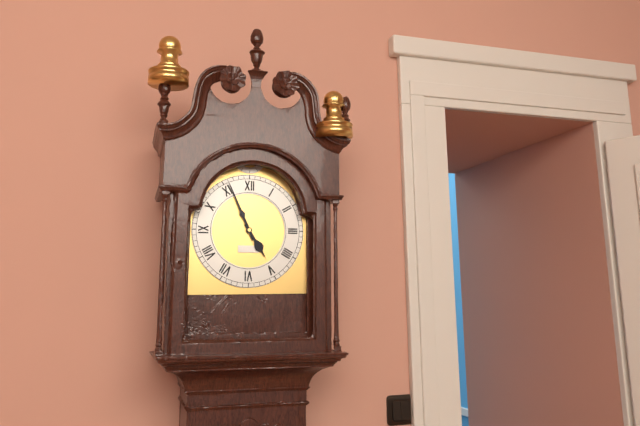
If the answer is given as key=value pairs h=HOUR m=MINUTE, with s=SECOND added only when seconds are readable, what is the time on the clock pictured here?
h=4 m=56
